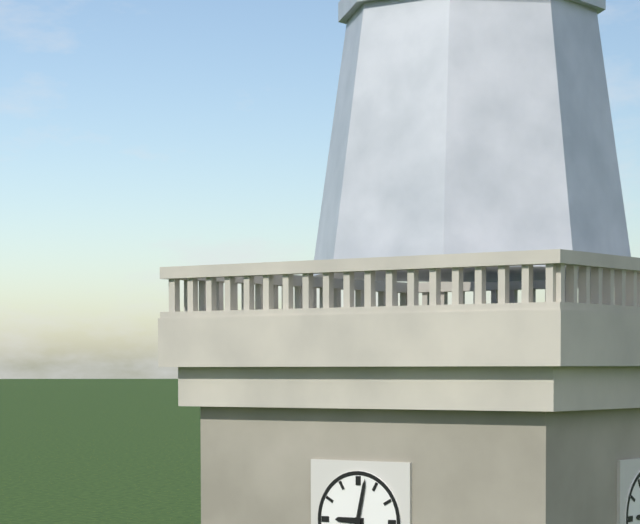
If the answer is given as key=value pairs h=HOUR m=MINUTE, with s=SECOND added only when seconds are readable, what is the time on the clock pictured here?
h=9 m=2
